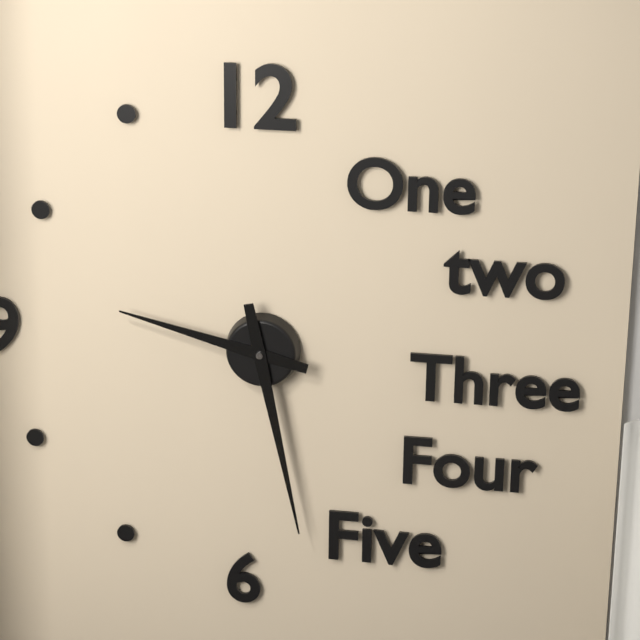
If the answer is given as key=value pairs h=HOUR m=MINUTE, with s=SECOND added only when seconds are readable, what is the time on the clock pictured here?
h=9 m=28
